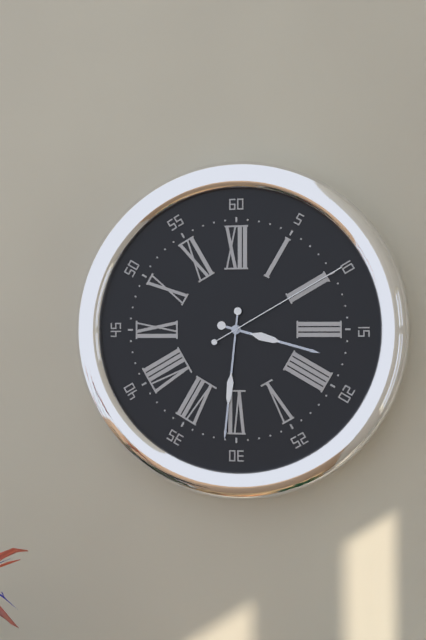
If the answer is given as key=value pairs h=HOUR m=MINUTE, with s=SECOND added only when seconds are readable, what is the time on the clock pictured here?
h=3 m=31 s=10
